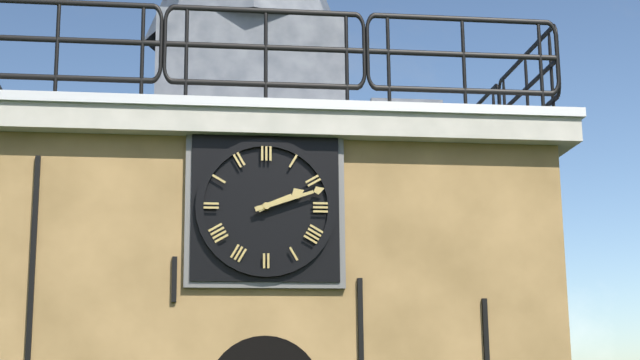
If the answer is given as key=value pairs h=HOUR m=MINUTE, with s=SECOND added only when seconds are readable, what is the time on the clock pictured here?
h=2 m=12
